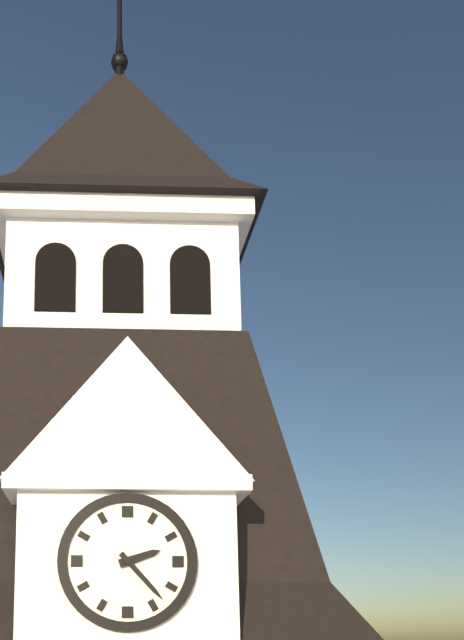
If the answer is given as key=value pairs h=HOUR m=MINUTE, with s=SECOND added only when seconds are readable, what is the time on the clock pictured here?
h=2 m=23
